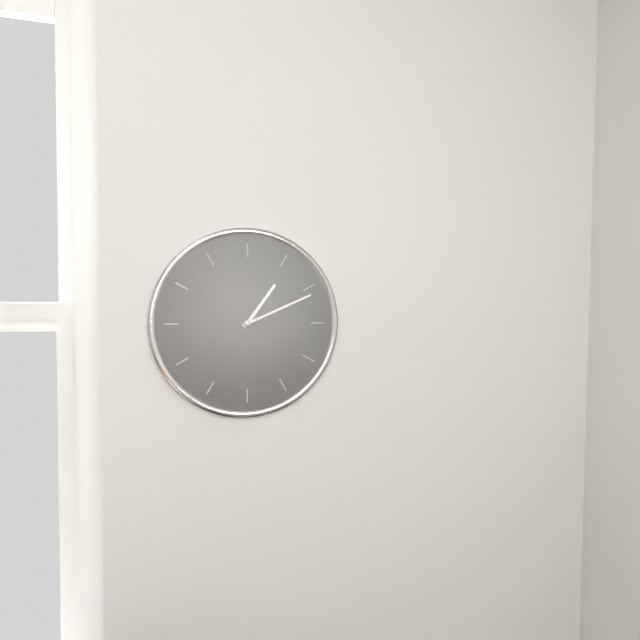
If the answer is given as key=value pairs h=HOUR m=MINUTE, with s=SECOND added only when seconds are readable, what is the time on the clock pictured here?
h=1 m=11
